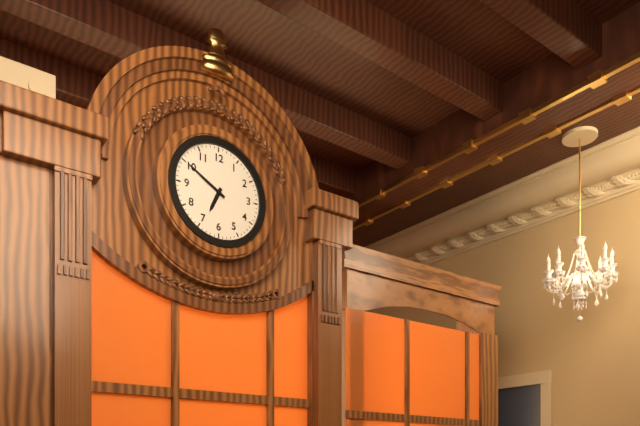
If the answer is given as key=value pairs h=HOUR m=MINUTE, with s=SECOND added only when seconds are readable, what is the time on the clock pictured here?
h=6 m=50
